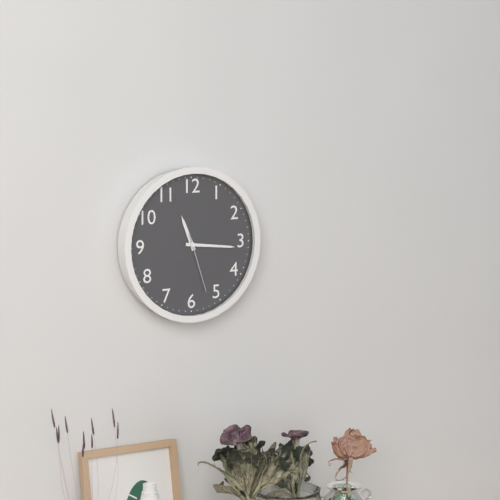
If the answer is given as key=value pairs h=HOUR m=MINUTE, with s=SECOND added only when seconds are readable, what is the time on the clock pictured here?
h=11 m=16 s=27
